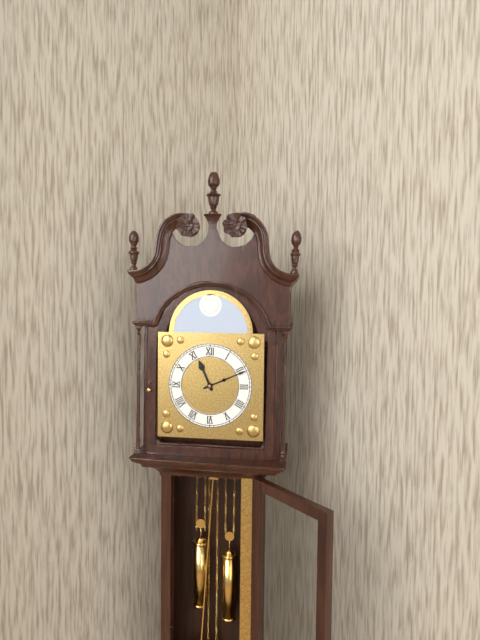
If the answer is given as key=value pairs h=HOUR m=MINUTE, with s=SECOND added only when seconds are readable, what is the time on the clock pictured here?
h=11 m=11
